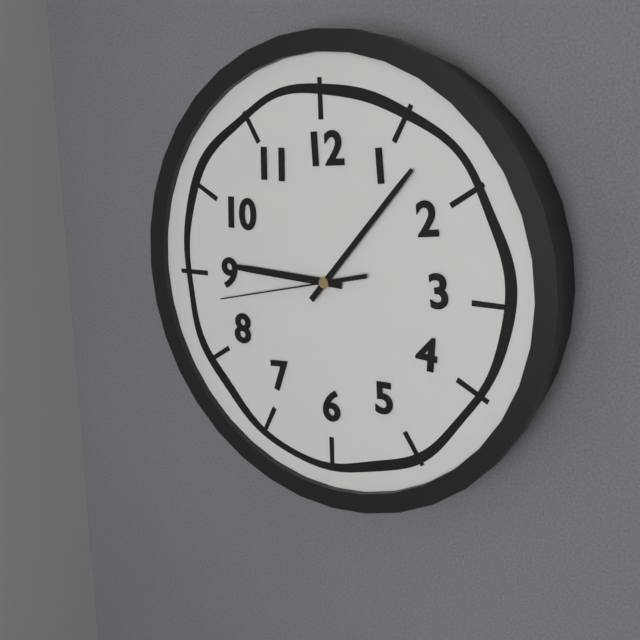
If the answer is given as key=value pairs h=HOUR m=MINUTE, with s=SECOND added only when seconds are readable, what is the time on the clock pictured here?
h=9 m=7 s=43
